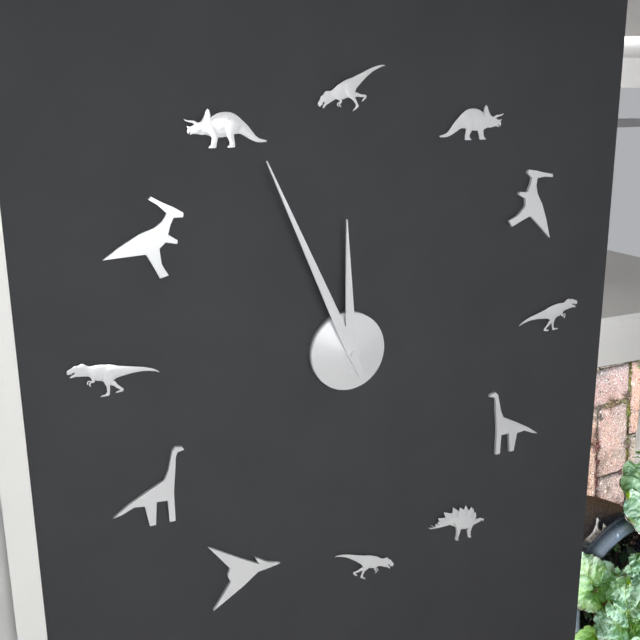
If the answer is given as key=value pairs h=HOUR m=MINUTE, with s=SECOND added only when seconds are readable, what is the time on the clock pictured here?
h=11 m=56
